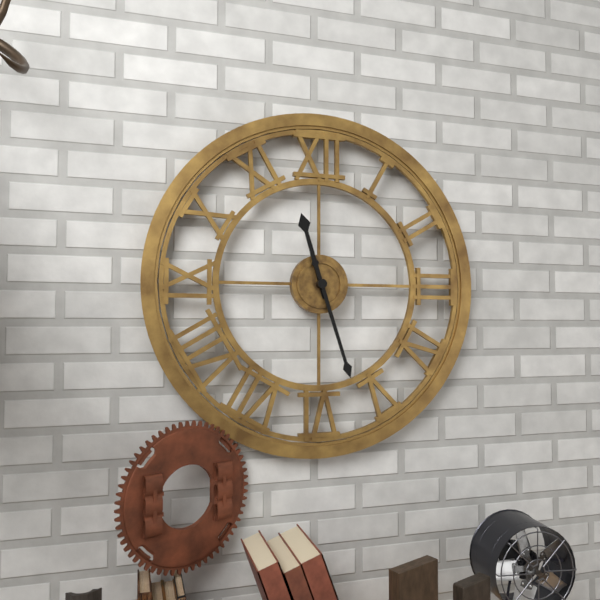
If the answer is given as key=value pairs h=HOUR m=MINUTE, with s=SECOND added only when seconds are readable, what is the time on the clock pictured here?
h=11 m=27
